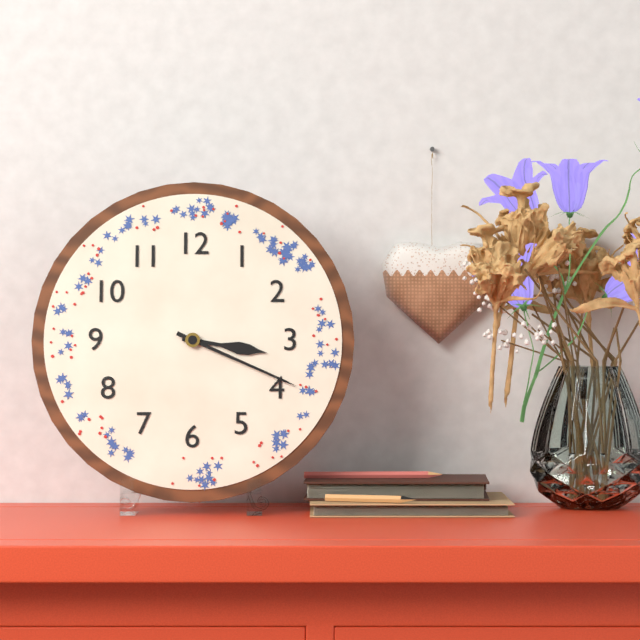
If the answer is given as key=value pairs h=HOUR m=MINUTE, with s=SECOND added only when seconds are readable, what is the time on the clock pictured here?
h=3 m=19
